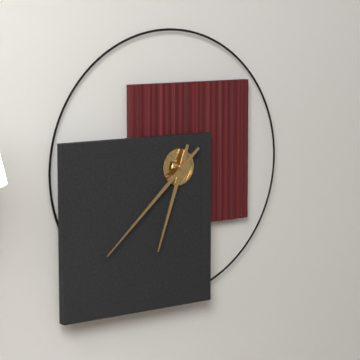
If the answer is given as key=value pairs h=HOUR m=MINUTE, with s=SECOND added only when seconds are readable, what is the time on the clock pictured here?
h=6 m=38
